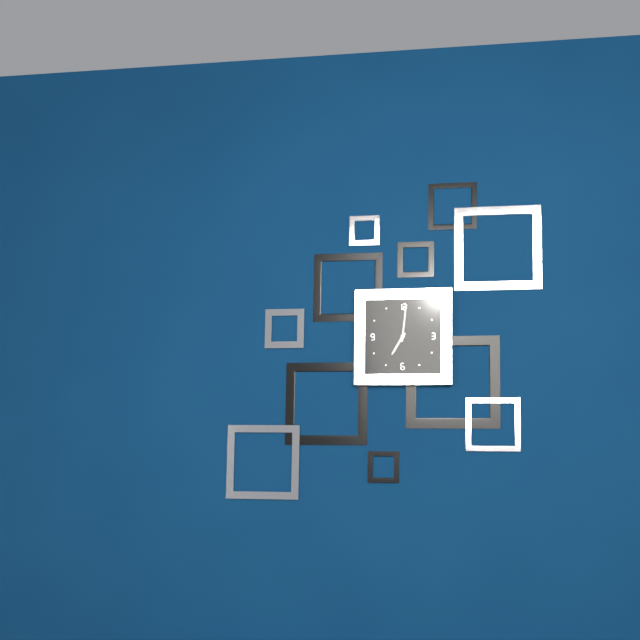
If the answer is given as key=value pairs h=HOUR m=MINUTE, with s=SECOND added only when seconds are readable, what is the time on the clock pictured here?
h=7 m=1
